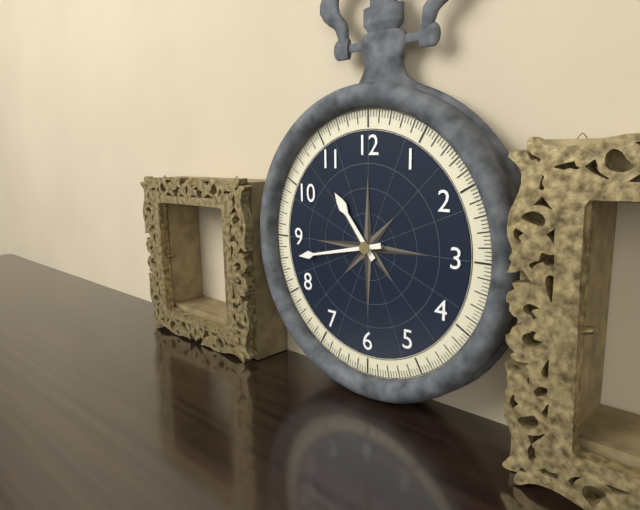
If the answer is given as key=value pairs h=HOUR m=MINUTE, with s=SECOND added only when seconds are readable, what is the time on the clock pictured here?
h=10 m=43
